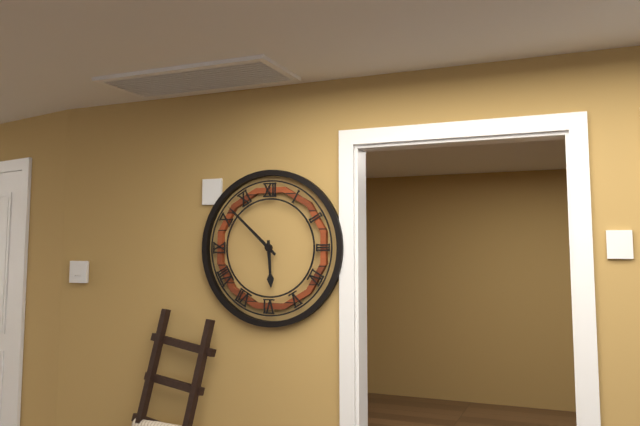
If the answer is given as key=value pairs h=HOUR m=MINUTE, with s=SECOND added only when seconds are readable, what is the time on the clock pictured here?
h=5 m=52
